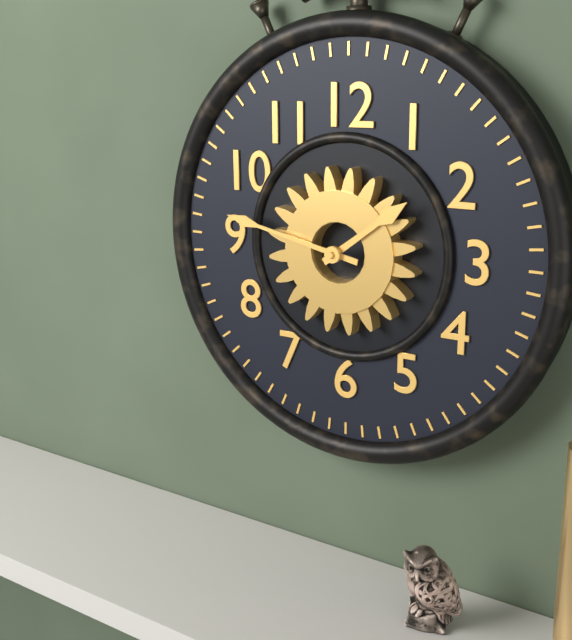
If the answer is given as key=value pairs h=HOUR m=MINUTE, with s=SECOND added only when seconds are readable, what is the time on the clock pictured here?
h=1 m=47
